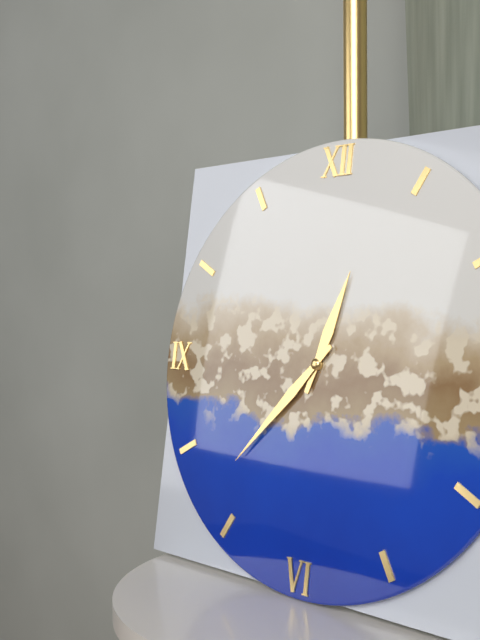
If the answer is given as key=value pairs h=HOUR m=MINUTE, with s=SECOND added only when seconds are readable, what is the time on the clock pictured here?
h=12 m=37
